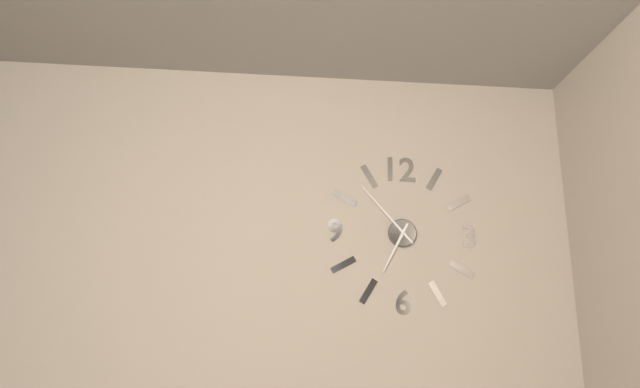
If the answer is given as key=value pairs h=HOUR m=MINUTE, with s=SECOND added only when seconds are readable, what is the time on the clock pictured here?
h=6 m=53
